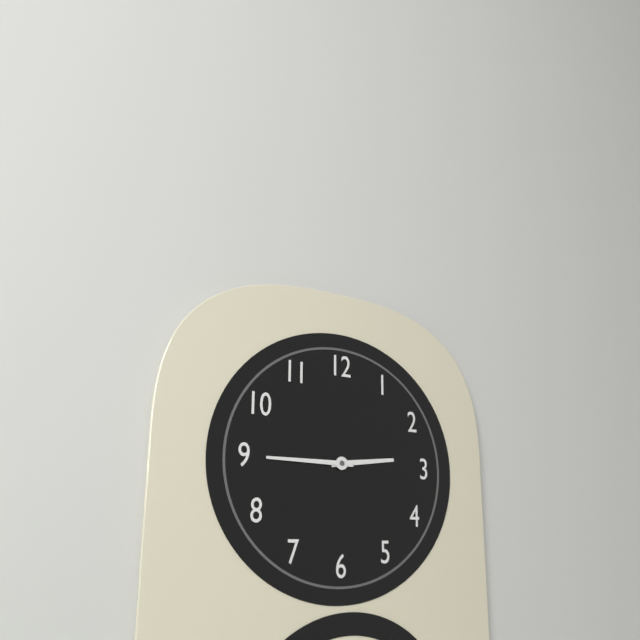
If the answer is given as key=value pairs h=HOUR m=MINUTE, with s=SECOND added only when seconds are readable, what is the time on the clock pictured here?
h=2 m=45
